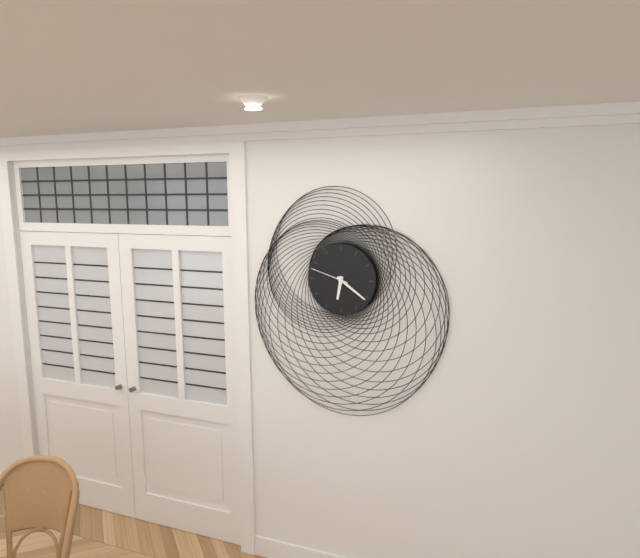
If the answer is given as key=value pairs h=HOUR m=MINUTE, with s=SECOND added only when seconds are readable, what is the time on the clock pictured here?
h=6 m=21
